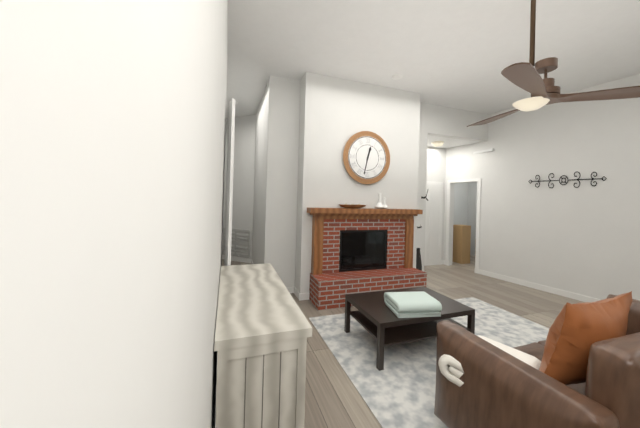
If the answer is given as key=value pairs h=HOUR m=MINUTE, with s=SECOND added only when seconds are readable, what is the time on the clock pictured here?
h=12 m=32
